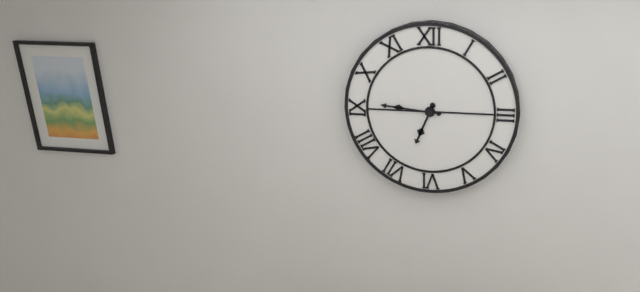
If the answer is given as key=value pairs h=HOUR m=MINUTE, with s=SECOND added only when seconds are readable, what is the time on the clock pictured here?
h=6 m=46
